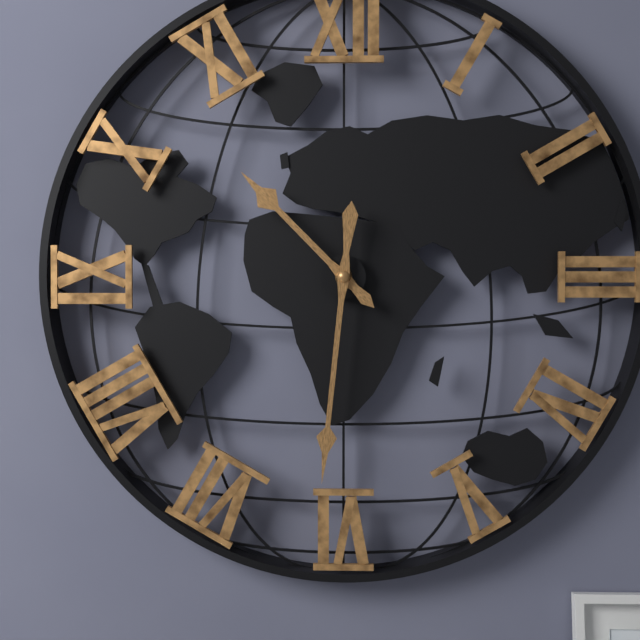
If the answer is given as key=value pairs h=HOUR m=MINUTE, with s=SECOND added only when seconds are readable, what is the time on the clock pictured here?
h=10 m=31
